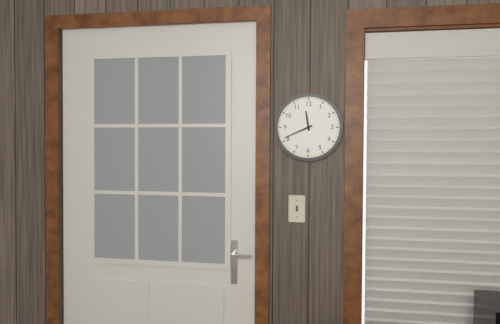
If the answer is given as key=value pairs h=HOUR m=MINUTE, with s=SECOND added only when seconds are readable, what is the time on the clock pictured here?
h=11 m=41
